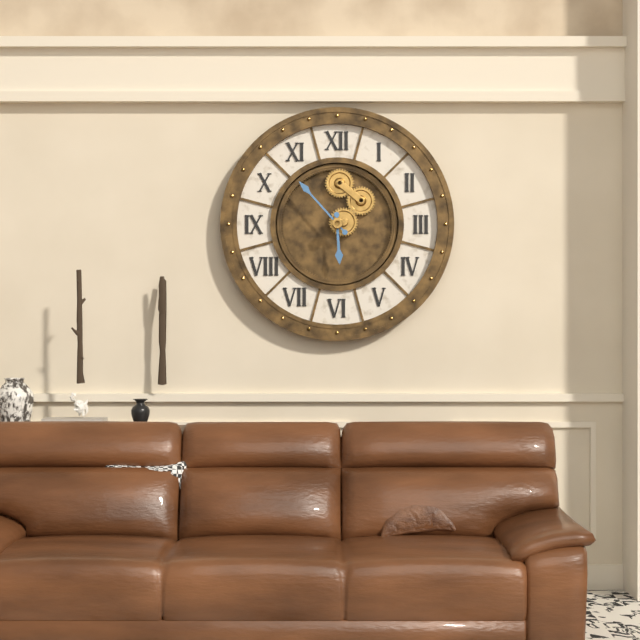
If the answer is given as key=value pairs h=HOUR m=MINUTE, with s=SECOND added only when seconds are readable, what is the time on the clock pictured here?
h=5 m=53
